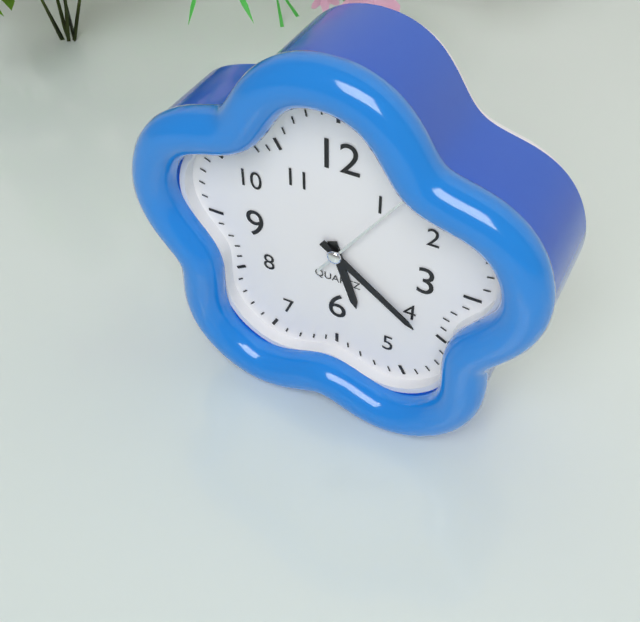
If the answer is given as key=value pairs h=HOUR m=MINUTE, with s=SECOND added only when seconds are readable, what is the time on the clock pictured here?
h=5 m=21 s=6
